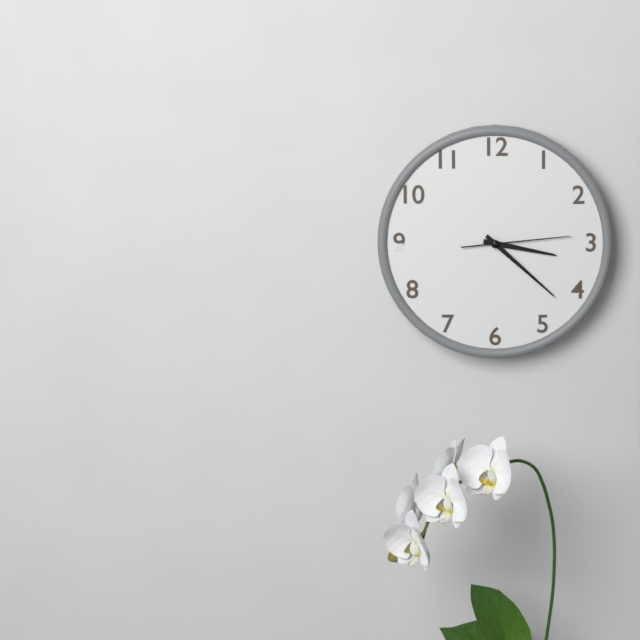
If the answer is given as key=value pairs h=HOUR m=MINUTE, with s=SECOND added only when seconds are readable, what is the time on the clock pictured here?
h=3 m=22 s=14
